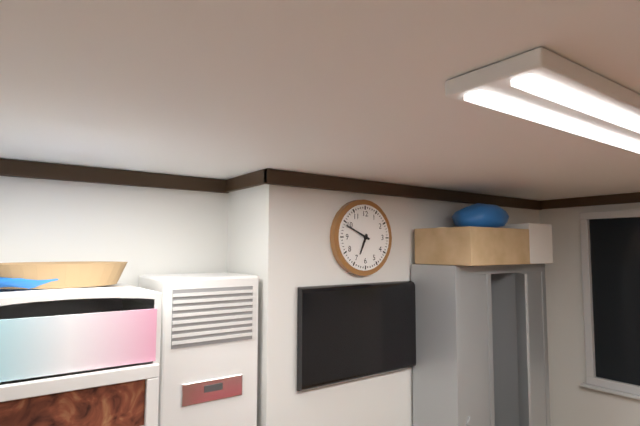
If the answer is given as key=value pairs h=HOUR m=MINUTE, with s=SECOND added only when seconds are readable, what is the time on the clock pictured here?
h=6 m=49
